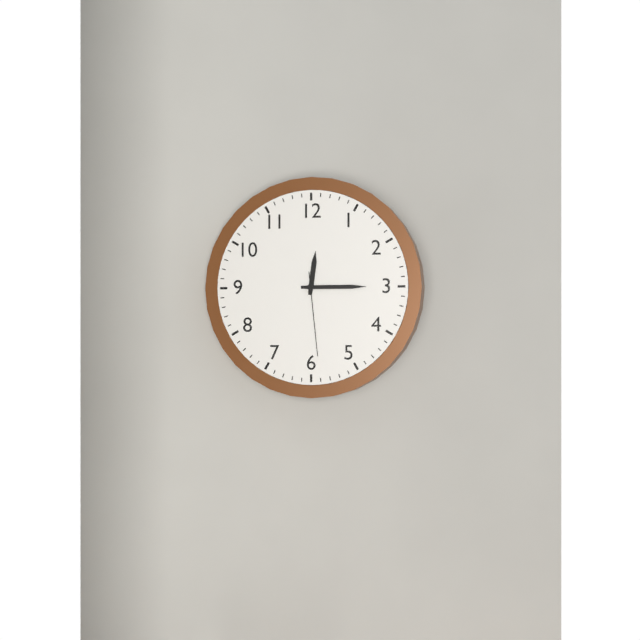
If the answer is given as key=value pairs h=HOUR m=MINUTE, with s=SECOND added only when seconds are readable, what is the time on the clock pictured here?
h=12 m=15 s=29
